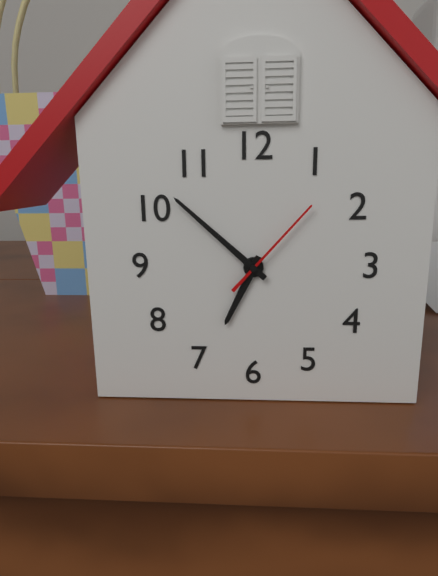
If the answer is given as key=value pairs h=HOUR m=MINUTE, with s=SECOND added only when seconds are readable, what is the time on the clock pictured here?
h=6 m=52 s=7
